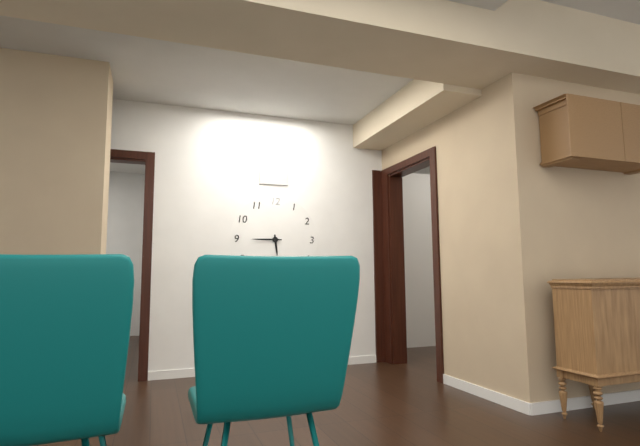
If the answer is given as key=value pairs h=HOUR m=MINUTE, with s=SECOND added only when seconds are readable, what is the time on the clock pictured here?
h=5 m=45
